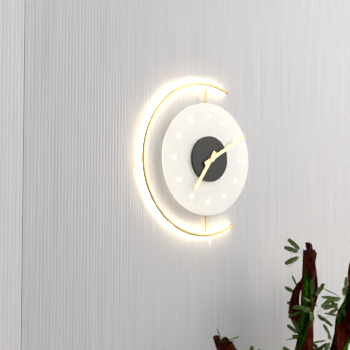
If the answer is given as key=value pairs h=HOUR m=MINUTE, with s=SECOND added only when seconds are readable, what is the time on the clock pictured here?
h=7 m=10
